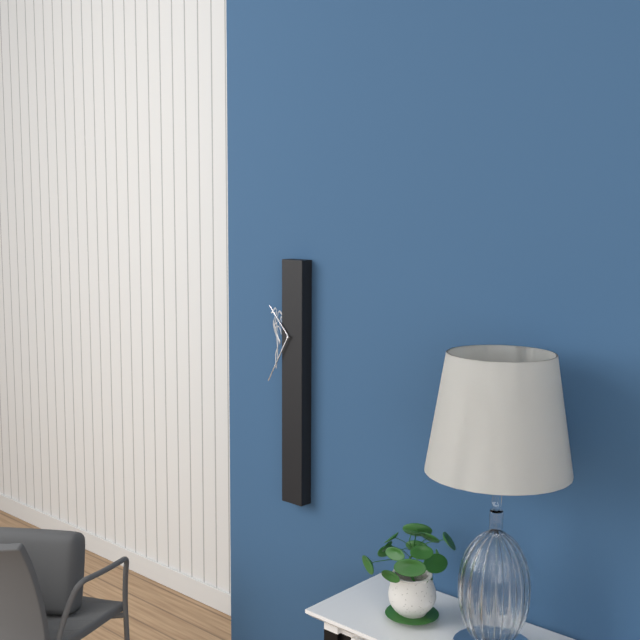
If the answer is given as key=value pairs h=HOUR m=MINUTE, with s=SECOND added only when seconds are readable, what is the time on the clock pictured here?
h=10 m=35
